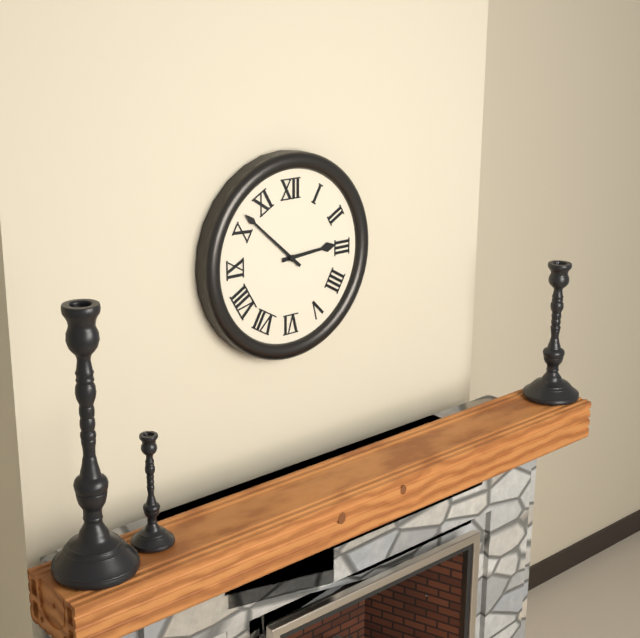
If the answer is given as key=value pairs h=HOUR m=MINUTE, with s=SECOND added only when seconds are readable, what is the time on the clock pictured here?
h=2 m=52
